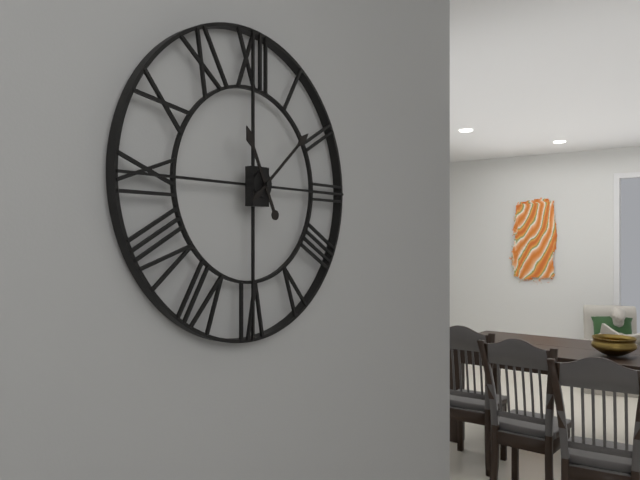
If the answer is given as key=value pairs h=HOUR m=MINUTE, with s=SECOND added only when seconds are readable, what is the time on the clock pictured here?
h=11 m=8
